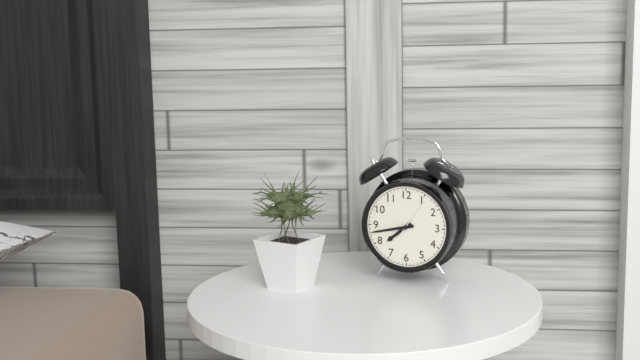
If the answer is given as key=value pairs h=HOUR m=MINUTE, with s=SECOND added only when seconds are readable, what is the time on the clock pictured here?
h=7 m=43
